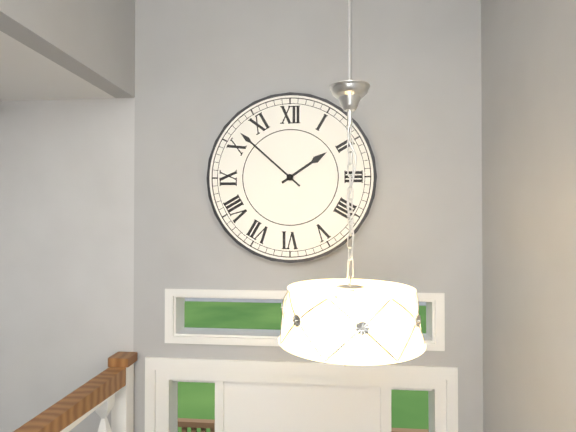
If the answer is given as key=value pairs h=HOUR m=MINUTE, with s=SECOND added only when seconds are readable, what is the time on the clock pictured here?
h=1 m=52
